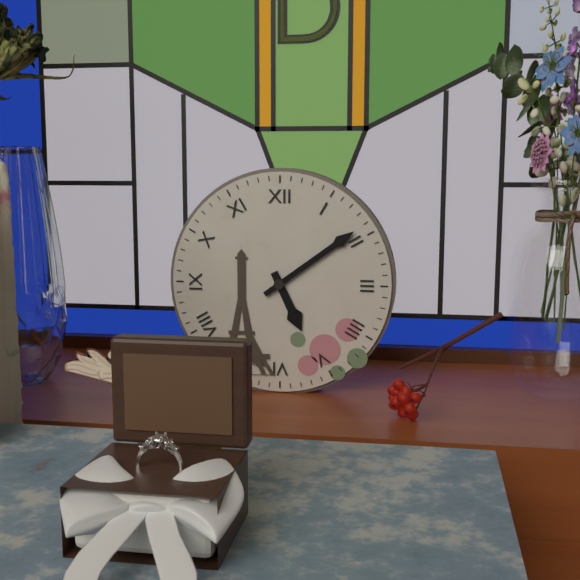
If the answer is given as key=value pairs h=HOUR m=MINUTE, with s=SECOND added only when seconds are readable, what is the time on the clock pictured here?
h=5 m=9
